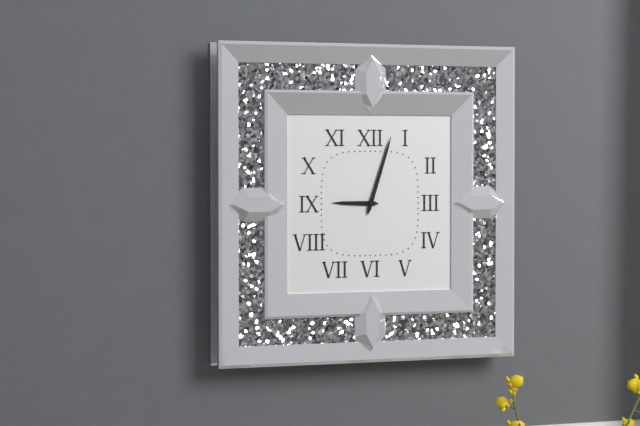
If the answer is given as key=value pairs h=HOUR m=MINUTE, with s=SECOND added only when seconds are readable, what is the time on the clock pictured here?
h=9 m=3
